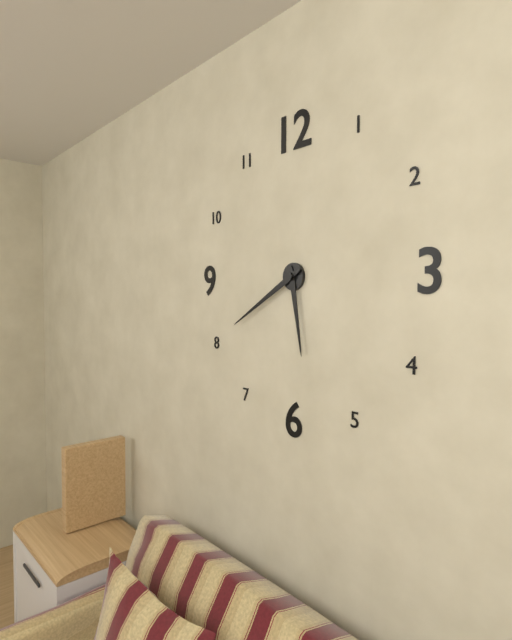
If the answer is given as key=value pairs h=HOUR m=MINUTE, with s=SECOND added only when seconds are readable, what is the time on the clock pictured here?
h=5 m=40
